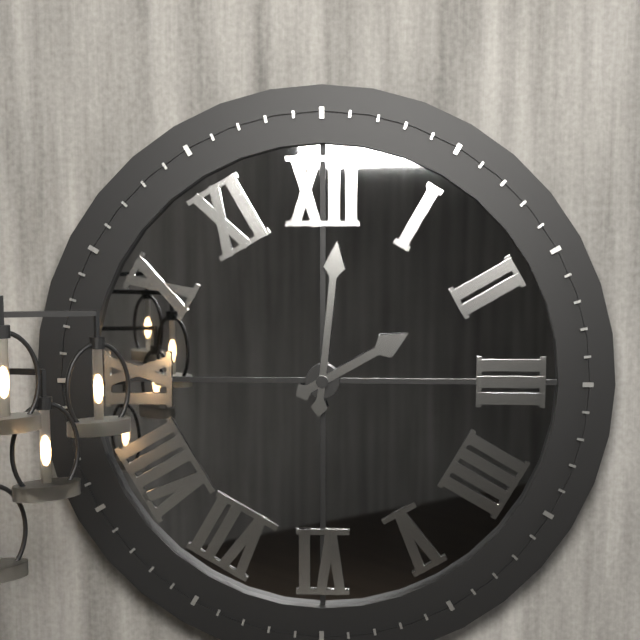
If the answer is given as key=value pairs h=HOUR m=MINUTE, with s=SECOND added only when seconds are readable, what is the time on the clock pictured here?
h=2 m=1
